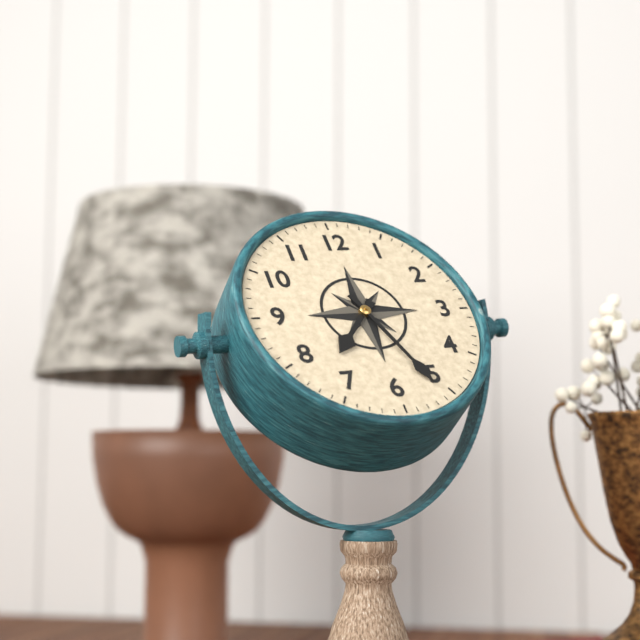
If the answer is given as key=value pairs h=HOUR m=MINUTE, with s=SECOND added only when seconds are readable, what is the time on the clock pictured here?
h=7 m=26
